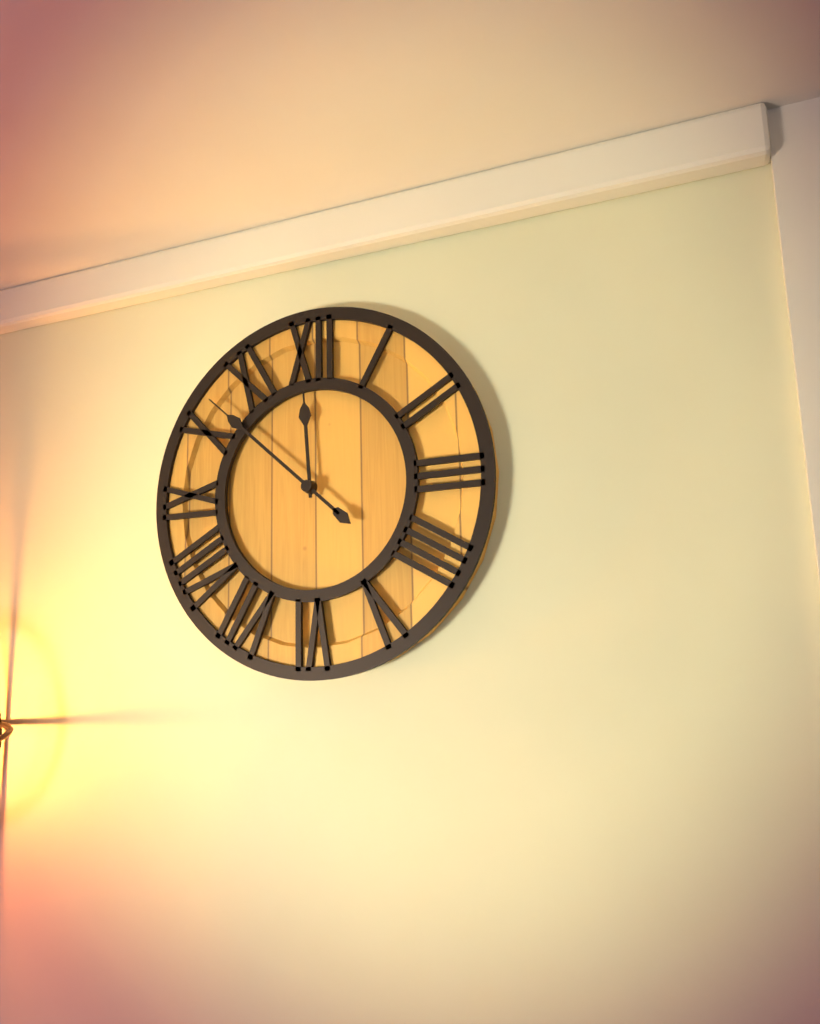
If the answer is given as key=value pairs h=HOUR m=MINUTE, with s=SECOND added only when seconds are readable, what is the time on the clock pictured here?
h=11 m=52
